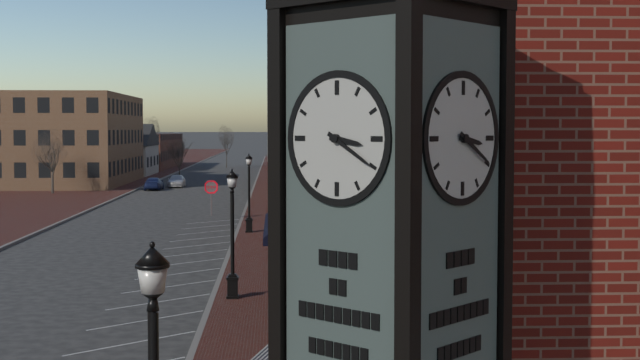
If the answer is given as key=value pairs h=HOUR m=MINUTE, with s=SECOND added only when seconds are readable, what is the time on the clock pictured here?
h=3 m=20
